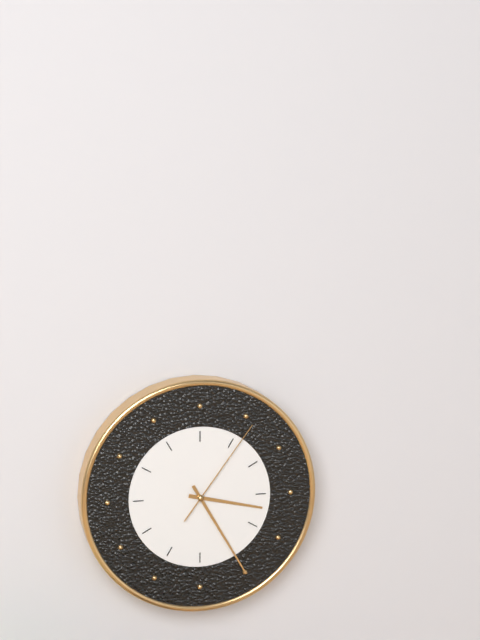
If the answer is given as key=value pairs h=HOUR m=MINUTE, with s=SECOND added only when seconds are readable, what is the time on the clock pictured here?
h=3 m=25 s=6
